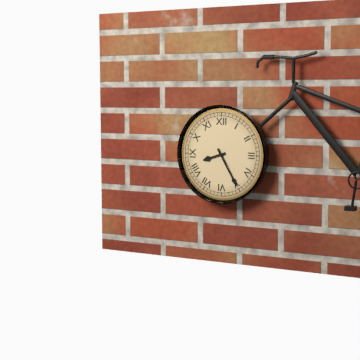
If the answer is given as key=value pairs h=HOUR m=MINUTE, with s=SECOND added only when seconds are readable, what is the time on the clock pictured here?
h=8 m=25
